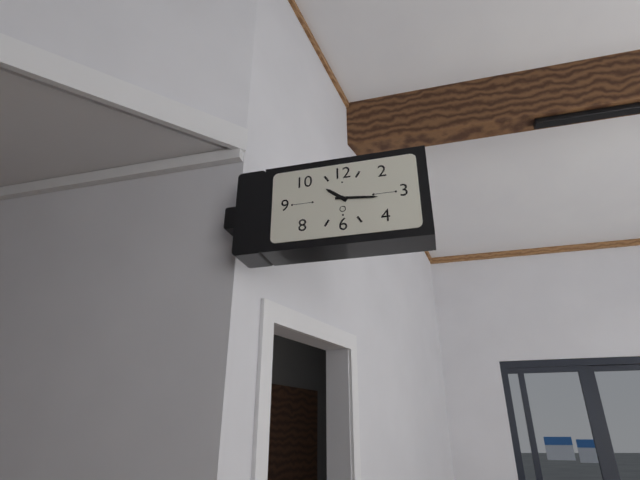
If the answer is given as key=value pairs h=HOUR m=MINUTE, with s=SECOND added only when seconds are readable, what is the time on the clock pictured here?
h=10 m=16
